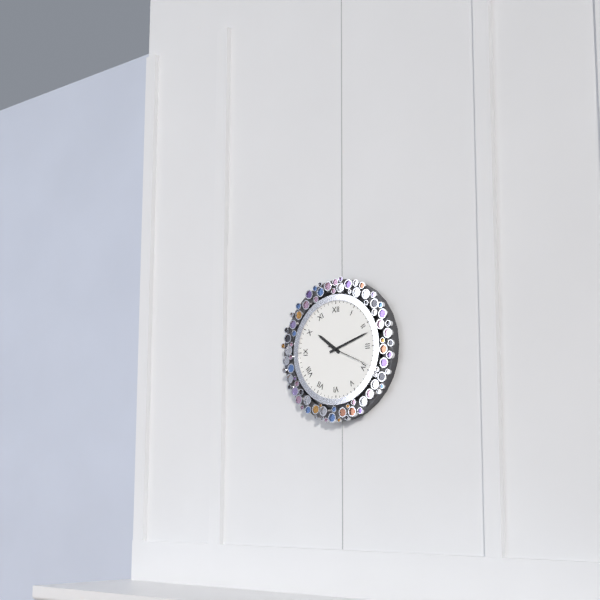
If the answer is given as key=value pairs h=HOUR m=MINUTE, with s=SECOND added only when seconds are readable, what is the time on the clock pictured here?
h=10 m=12
